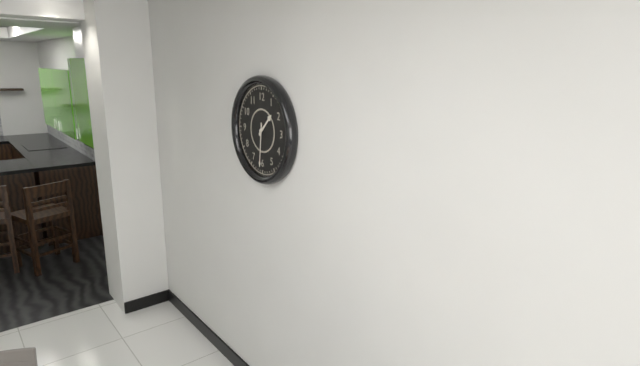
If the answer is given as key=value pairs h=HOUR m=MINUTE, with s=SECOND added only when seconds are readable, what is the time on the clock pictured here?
h=1 m=31
